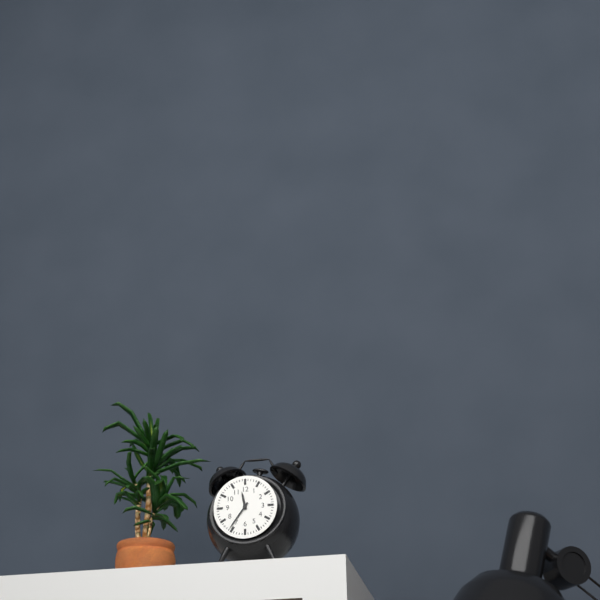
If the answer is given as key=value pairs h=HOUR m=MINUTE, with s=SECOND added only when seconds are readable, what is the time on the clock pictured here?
h=11 m=36
